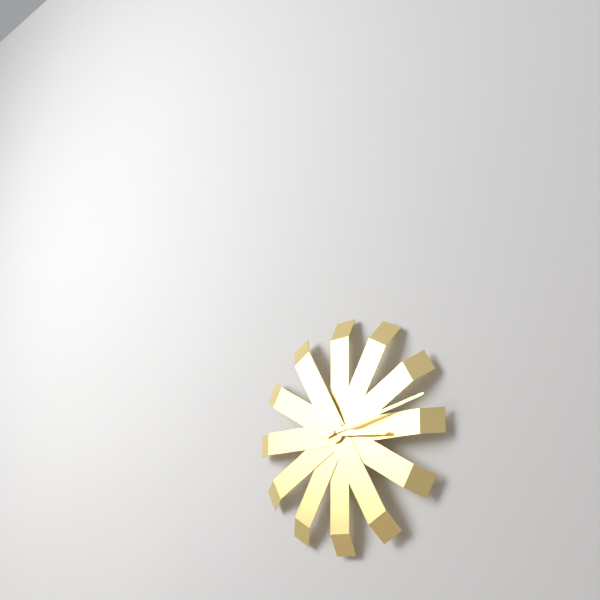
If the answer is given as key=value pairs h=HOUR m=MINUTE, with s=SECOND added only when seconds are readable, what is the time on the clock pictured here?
h=3 m=13
